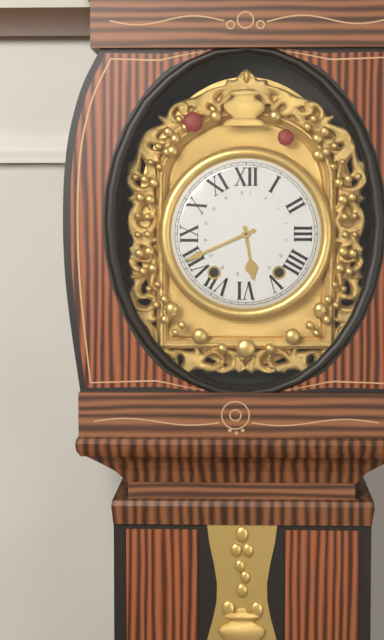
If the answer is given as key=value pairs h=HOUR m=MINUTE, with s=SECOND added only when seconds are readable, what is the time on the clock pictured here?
h=5 m=41
